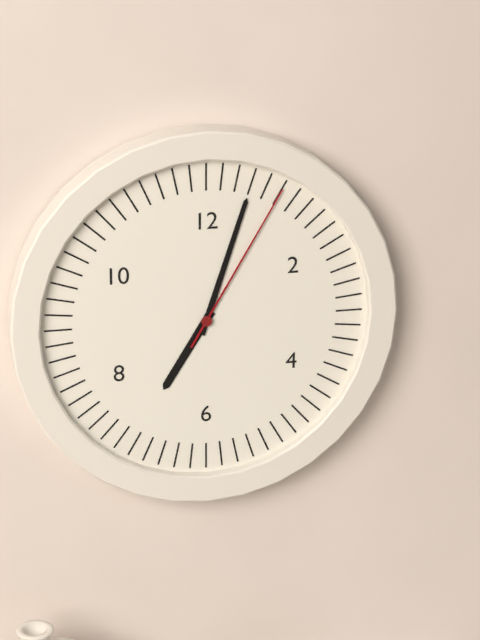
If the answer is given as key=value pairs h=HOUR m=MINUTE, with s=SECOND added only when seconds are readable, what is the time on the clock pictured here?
h=7 m=3 s=5
